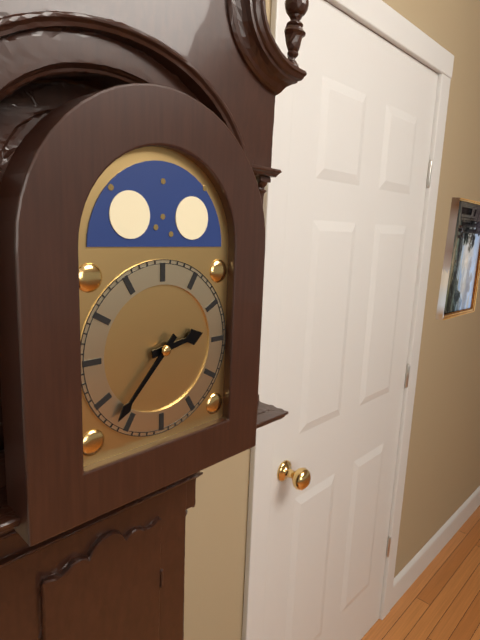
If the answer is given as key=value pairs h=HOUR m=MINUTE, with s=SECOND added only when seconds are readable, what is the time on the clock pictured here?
h=2 m=37
